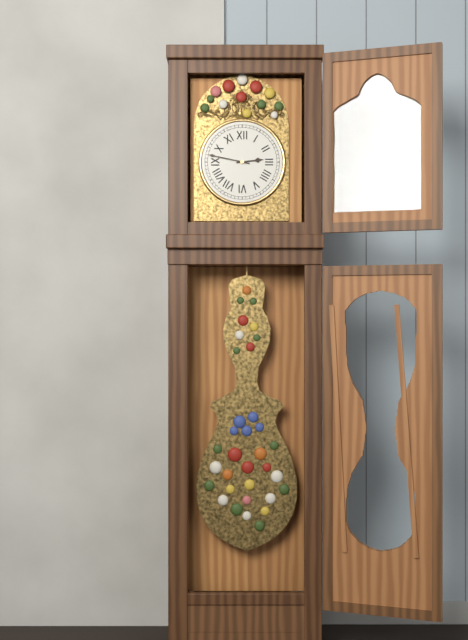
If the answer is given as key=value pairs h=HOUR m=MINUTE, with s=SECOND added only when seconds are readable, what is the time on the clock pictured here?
h=2 m=47
